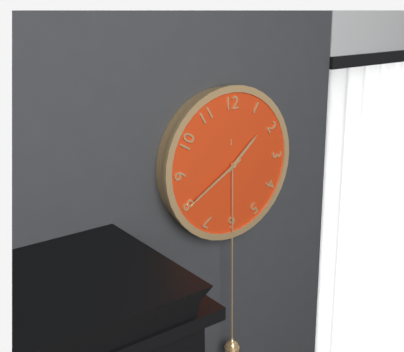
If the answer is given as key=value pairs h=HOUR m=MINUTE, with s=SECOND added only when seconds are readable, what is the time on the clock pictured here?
h=1 m=40
